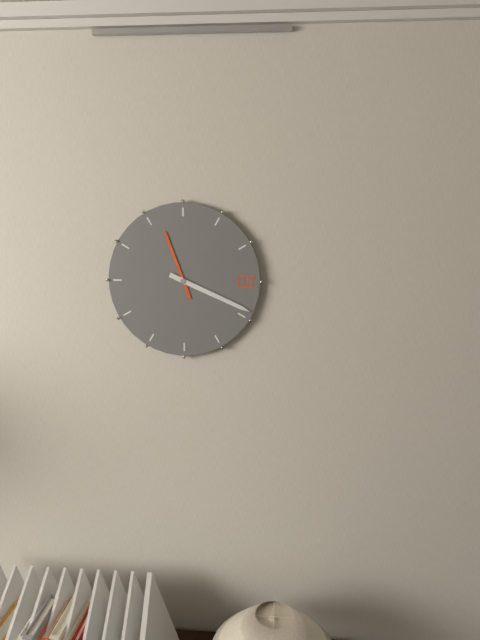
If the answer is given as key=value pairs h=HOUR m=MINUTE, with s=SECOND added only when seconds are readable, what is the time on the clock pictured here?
h=11 m=19
